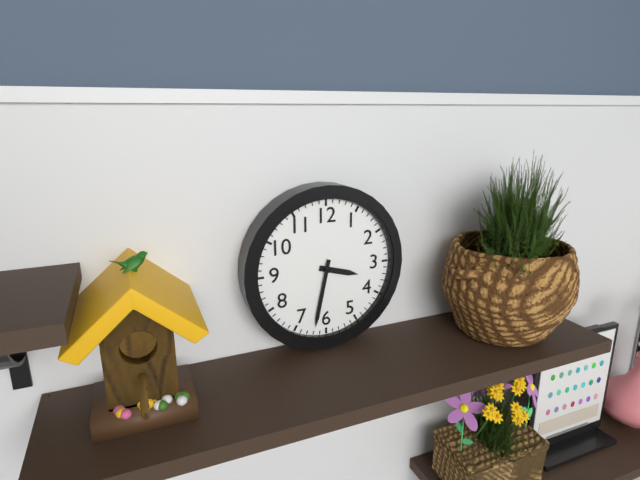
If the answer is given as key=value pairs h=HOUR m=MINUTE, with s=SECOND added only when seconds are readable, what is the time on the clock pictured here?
h=3 m=32
